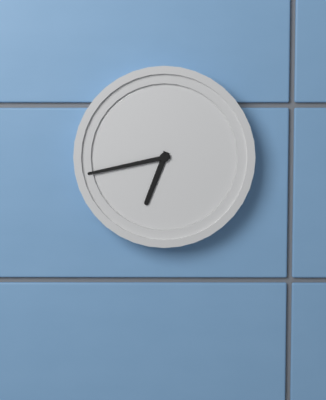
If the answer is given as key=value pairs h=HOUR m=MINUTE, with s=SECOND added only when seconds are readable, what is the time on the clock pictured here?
h=6 m=43
